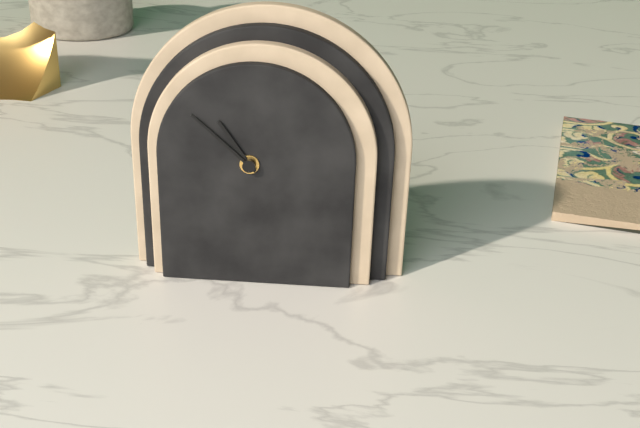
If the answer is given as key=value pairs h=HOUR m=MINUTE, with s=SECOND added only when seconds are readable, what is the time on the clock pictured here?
h=10 m=52
